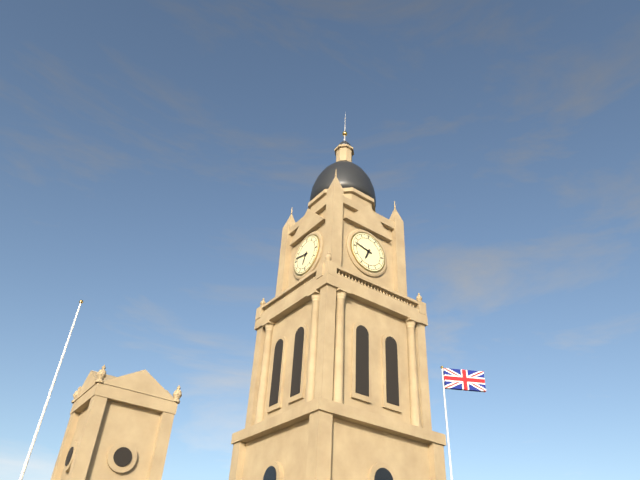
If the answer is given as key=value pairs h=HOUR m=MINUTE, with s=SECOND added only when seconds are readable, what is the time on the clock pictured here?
h=6 m=47
